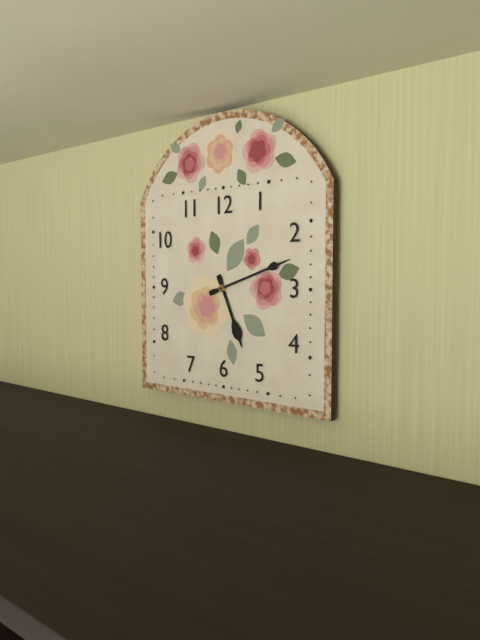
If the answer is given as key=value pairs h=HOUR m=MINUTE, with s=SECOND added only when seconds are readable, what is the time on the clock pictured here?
h=5 m=12
